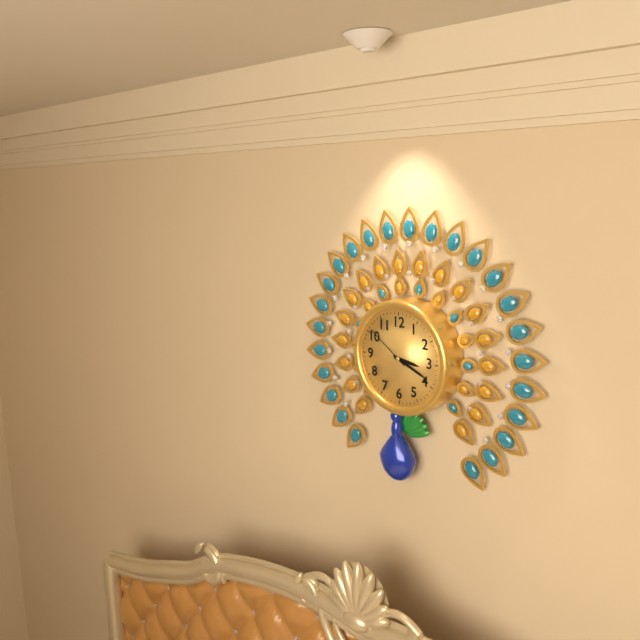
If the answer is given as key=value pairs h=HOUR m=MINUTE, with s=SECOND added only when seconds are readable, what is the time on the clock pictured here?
h=3 m=19
